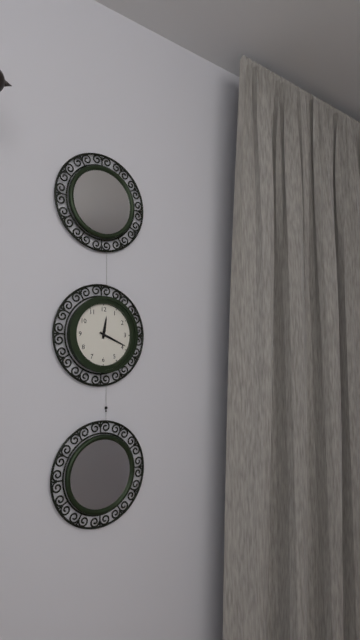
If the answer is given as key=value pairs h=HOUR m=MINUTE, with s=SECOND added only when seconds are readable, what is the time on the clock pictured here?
h=12 m=19
